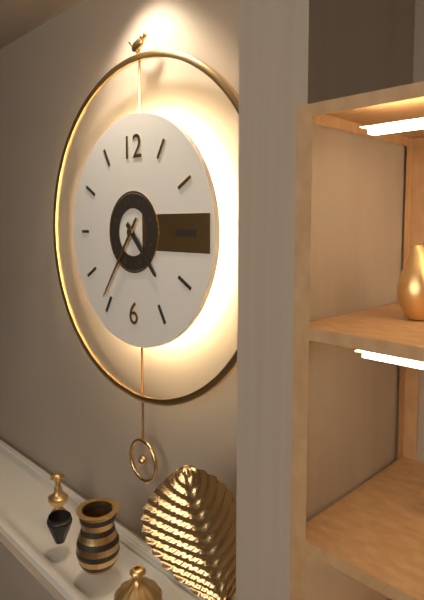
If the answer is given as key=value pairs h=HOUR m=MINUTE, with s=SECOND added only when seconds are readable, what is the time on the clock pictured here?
h=4 m=36
